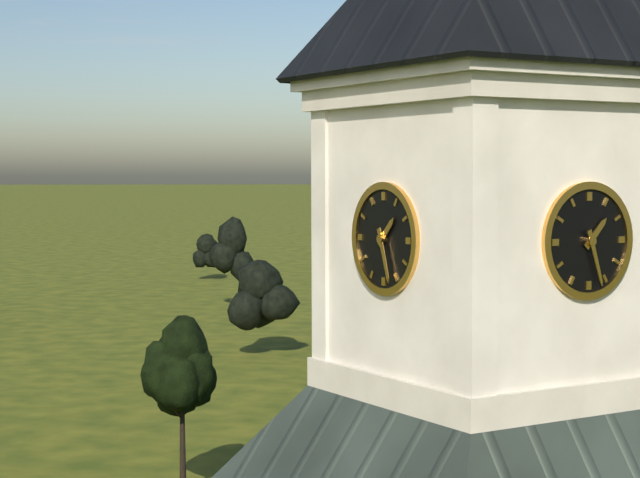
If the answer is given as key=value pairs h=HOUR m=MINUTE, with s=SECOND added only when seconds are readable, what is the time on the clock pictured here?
h=1 m=27
